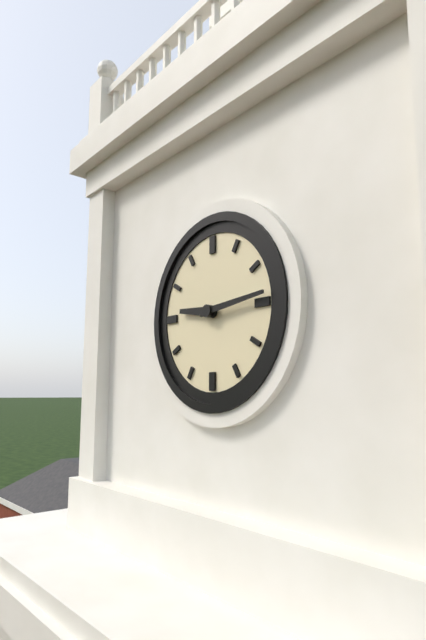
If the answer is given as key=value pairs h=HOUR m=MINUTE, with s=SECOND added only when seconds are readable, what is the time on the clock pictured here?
h=9 m=14
